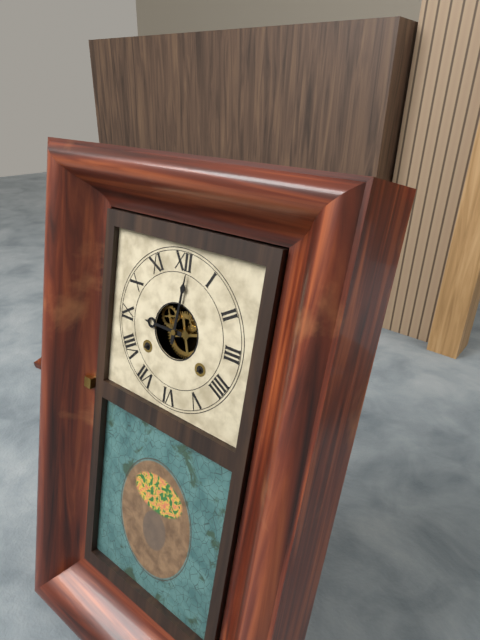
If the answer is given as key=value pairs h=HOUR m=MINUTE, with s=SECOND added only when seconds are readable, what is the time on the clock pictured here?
h=9 m=1
